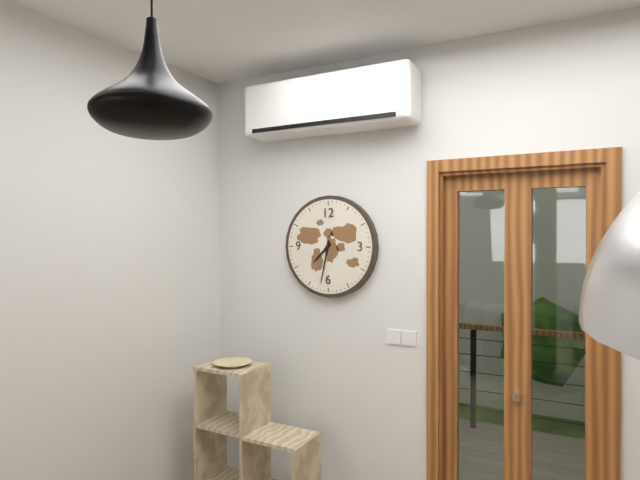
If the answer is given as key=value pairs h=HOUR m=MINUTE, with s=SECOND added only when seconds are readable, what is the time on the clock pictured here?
h=7 m=32
